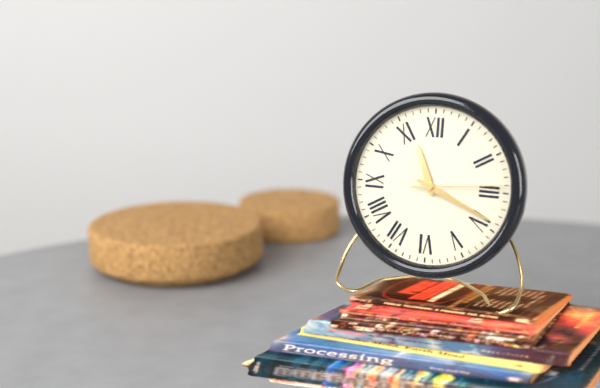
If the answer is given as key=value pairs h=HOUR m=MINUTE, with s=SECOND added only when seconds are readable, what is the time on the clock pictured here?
h=11 m=19 s=14
